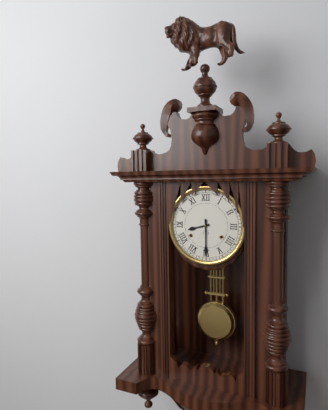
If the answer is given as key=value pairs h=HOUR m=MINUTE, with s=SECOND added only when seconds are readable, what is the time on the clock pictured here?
h=8 m=30
